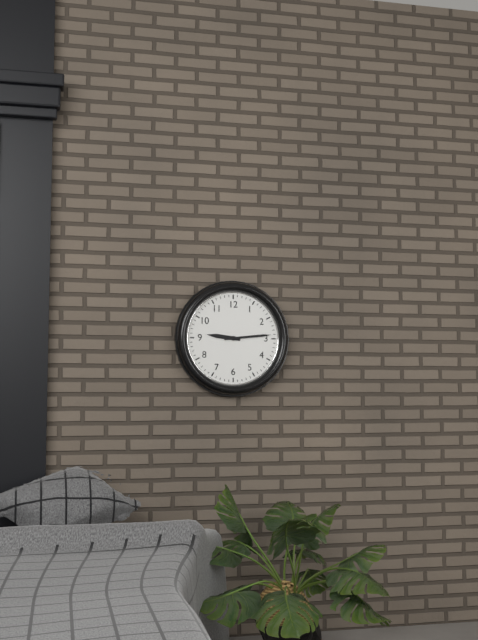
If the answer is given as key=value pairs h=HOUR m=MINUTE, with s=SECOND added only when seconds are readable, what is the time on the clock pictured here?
h=9 m=14
